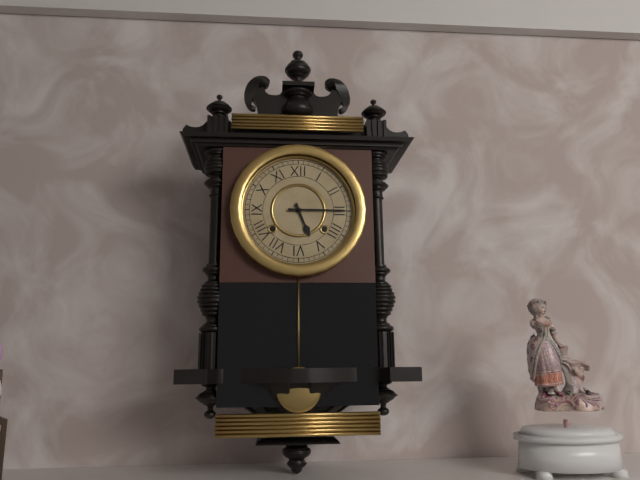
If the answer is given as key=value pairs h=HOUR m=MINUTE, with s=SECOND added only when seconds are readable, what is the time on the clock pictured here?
h=5 m=15
